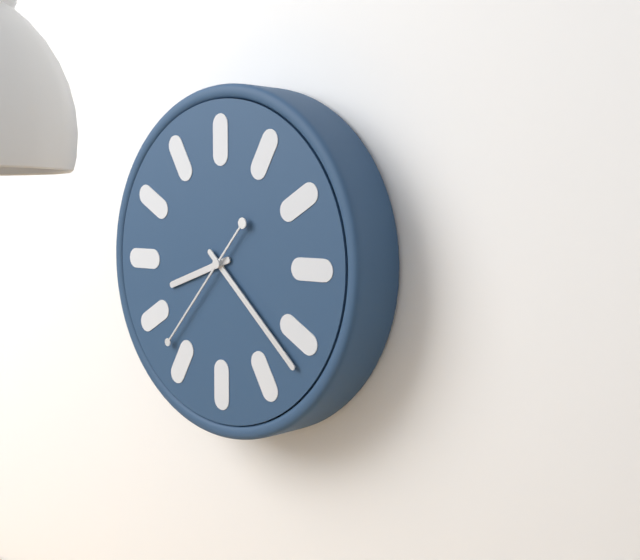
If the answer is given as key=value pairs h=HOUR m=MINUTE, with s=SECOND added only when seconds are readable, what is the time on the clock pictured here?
h=8 m=22 s=37
